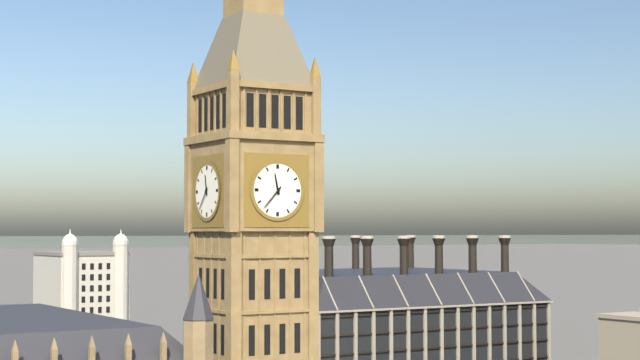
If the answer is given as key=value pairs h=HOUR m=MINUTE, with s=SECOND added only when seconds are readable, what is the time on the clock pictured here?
h=11 m=37
